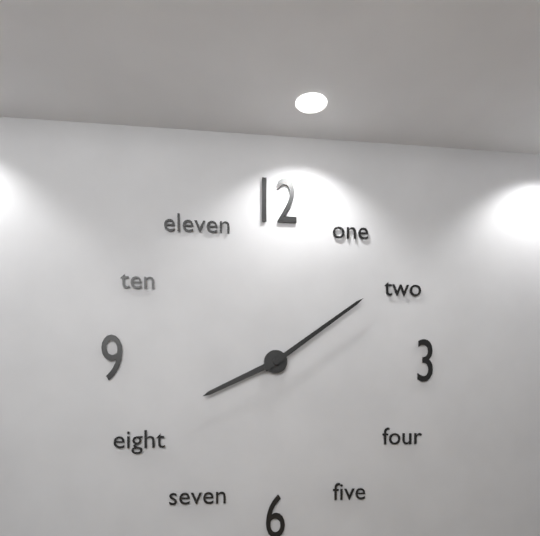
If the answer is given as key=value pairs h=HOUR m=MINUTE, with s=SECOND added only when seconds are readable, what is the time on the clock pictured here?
h=8 m=9
